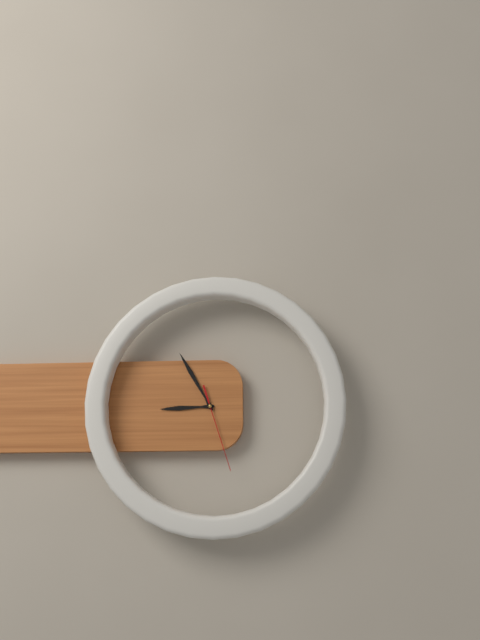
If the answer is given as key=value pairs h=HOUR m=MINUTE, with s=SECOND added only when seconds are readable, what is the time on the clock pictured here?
h=8 m=55 s=27
